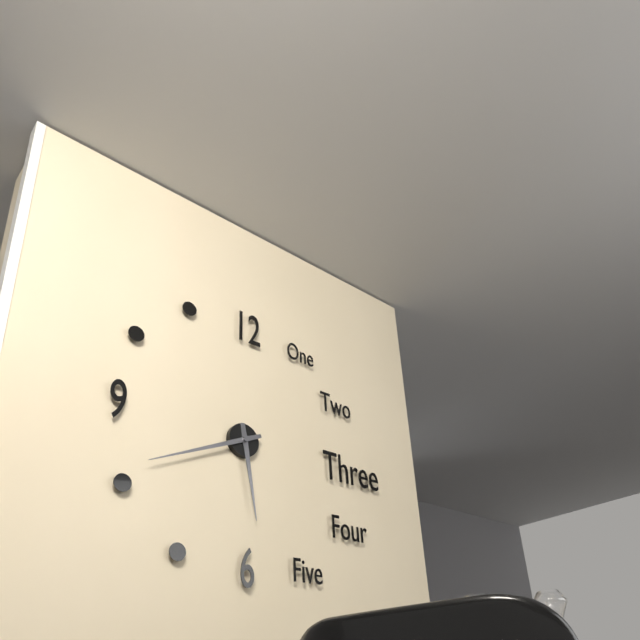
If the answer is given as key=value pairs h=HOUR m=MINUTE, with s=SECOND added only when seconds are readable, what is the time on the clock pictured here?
h=5 m=41
